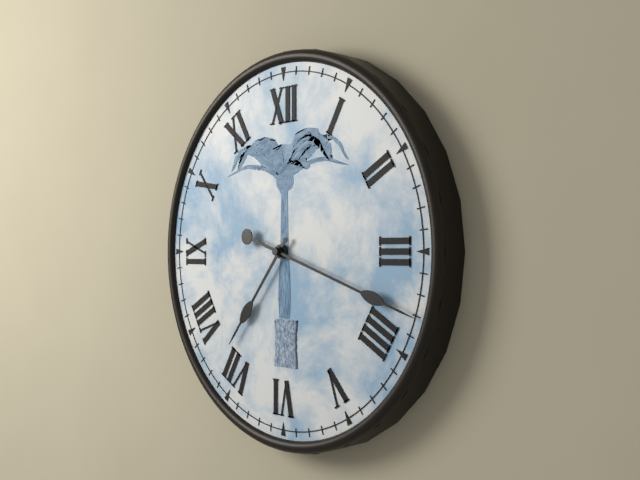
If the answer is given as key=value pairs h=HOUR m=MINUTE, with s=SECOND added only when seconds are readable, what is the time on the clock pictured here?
h=7 m=18
